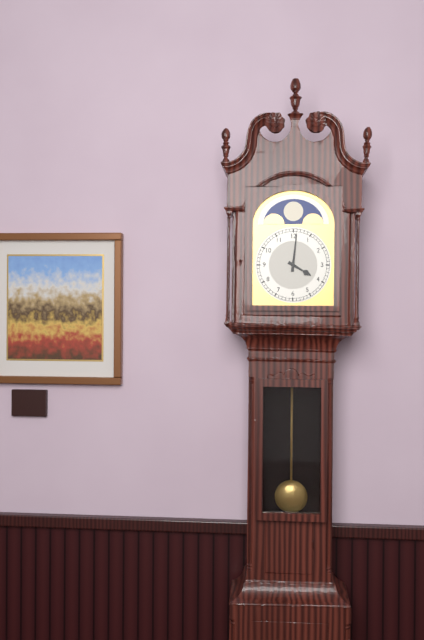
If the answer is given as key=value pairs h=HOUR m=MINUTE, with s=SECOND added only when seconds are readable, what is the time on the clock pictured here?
h=4 m=1
